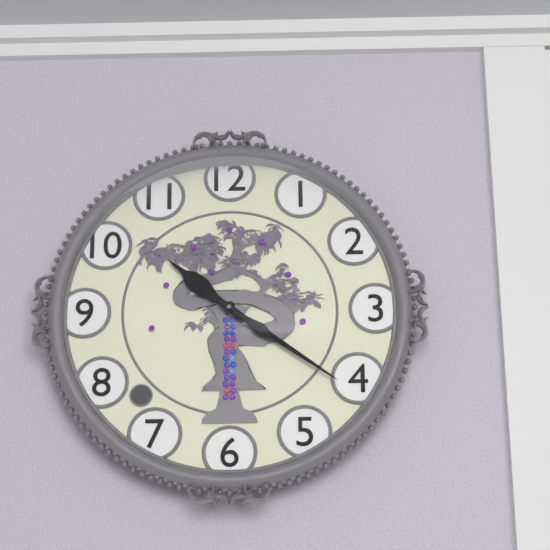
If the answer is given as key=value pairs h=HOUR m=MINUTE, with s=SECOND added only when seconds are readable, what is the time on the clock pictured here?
h=10 m=21
